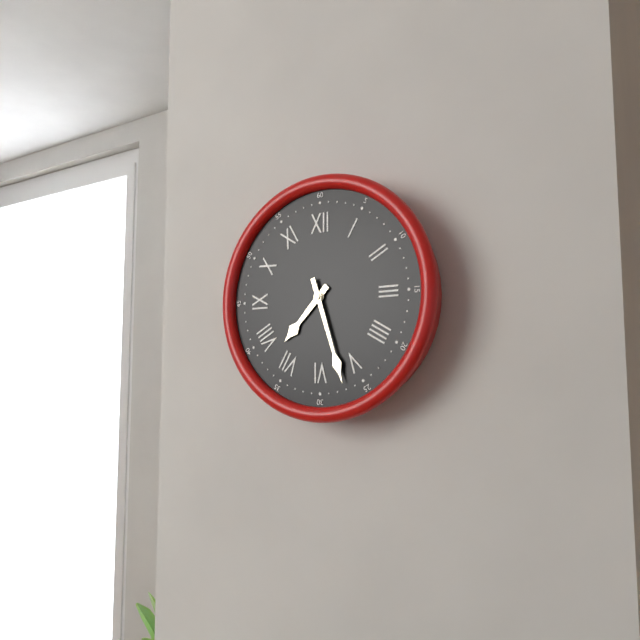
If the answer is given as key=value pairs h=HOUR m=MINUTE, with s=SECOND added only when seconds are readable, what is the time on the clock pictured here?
h=7 m=27
